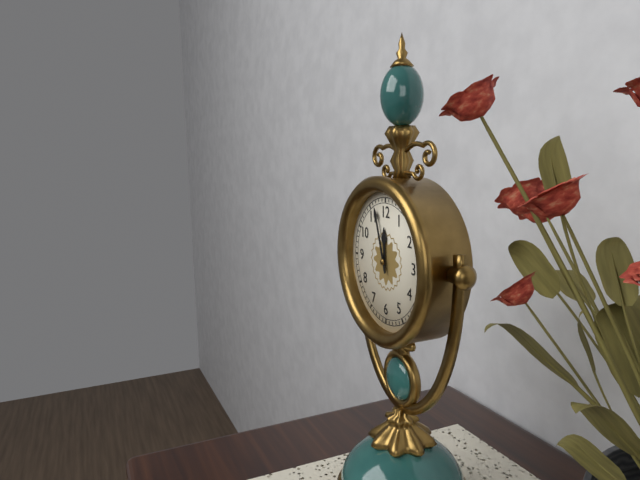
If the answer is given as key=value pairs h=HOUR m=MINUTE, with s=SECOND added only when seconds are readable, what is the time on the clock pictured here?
h=11 m=57
